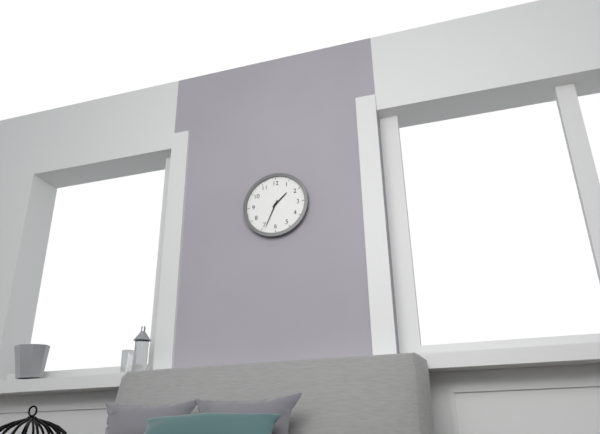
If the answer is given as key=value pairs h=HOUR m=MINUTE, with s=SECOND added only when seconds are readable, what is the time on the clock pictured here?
h=1 m=34
